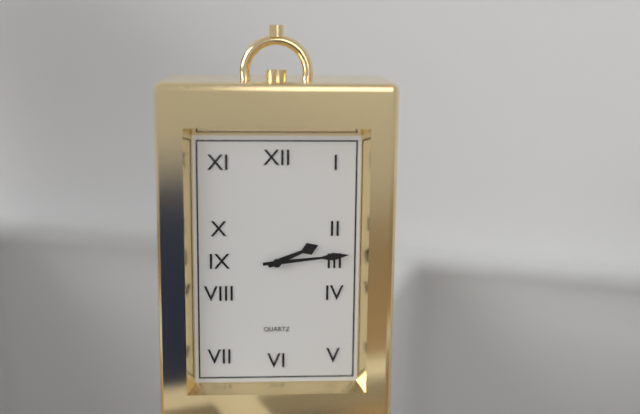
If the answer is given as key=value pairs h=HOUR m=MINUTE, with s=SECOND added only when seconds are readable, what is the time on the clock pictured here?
h=2 m=14
